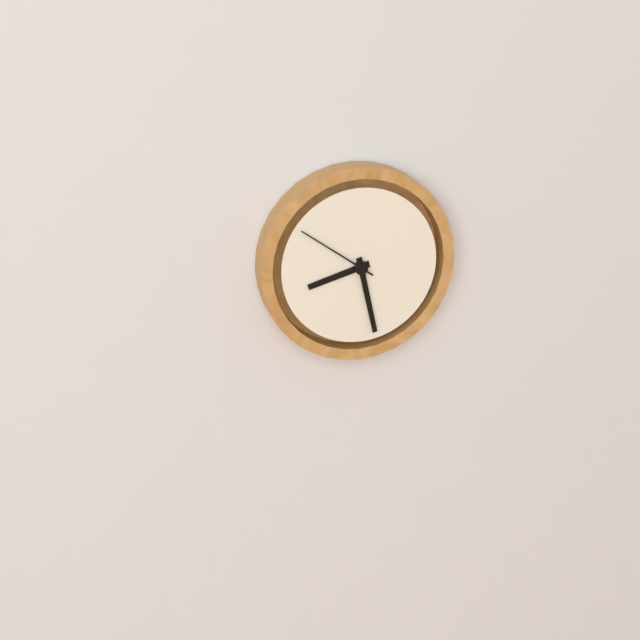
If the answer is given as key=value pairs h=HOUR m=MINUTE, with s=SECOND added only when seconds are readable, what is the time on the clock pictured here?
h=8 m=28 s=51
